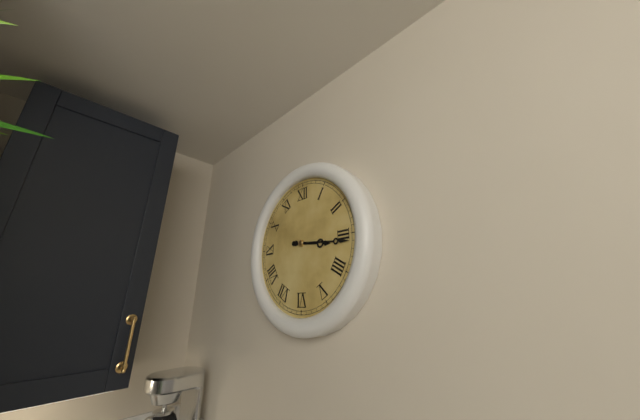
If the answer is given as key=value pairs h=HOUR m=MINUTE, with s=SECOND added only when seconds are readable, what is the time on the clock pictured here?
h=3 m=16
